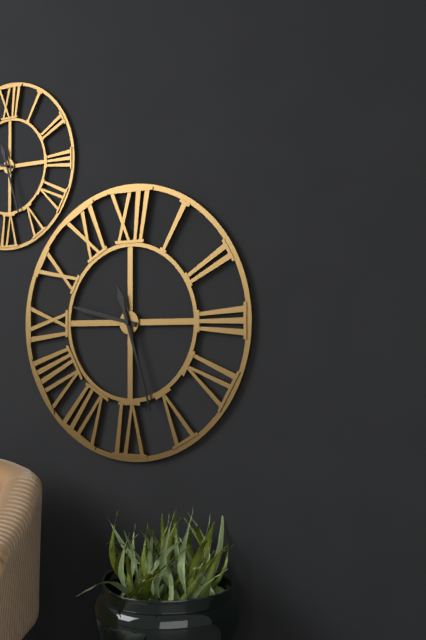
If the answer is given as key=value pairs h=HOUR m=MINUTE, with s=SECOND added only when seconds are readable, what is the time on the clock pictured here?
h=9 m=27
